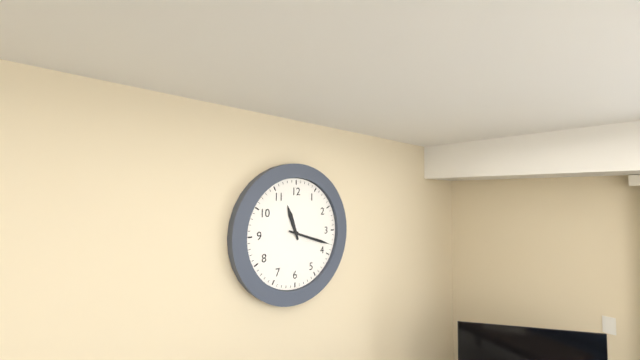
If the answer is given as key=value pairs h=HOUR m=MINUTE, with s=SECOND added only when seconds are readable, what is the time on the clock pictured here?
h=11 m=18
